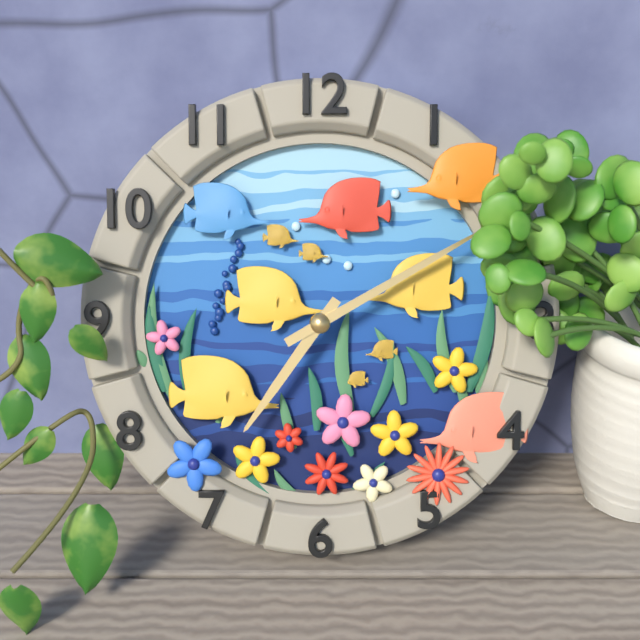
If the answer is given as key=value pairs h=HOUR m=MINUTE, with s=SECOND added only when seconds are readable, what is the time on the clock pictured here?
h=7 m=10
